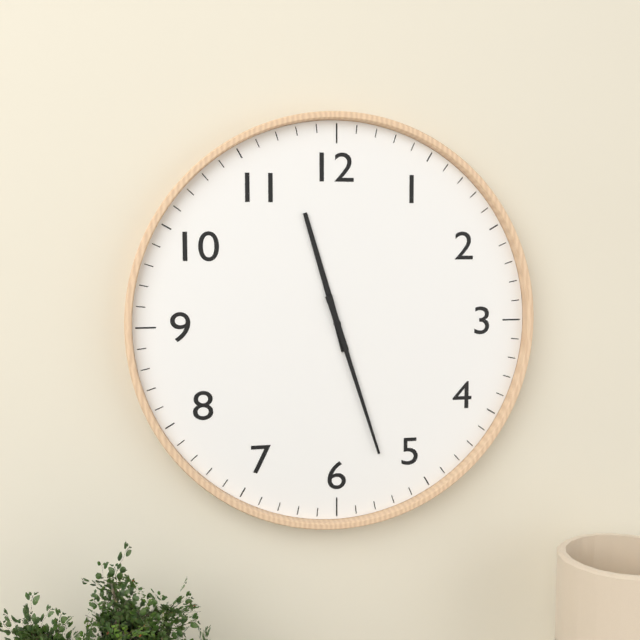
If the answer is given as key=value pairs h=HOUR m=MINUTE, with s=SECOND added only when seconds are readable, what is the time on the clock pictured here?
h=11 m=27
